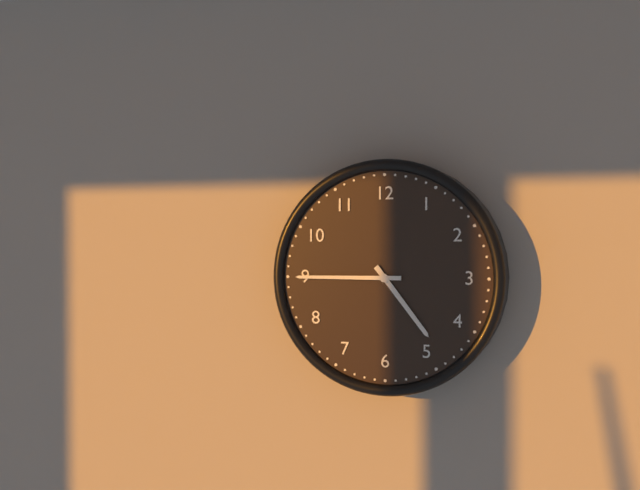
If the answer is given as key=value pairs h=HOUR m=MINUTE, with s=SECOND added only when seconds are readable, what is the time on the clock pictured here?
h=4 m=45
